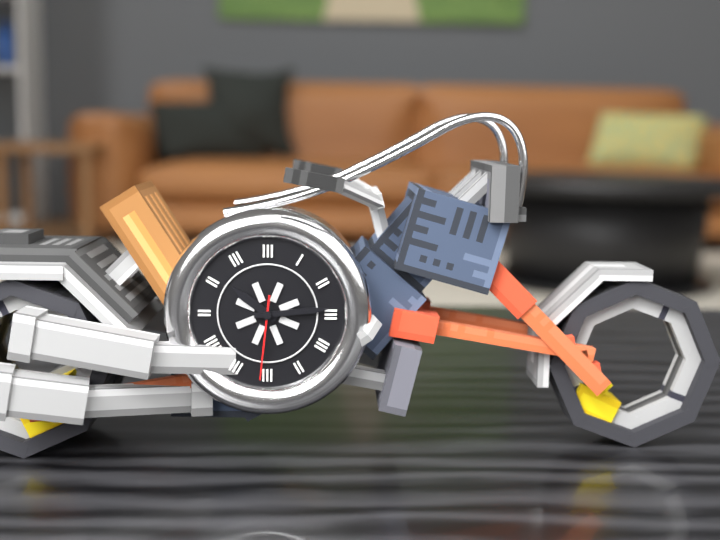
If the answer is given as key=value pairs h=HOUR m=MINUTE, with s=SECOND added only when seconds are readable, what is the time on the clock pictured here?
h=10 m=14 s=31
